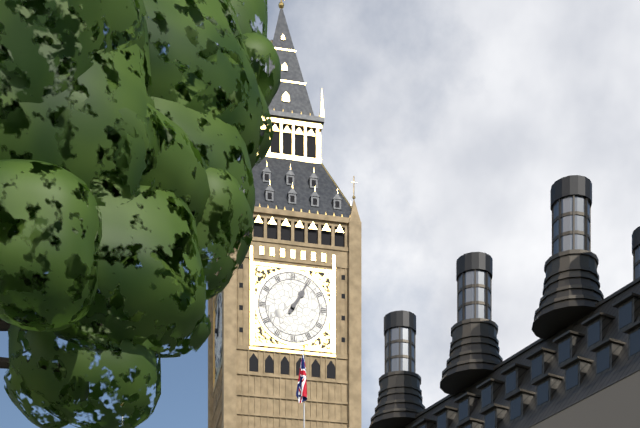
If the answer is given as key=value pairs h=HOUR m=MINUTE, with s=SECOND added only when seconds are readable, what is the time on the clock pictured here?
h=1 m=5
